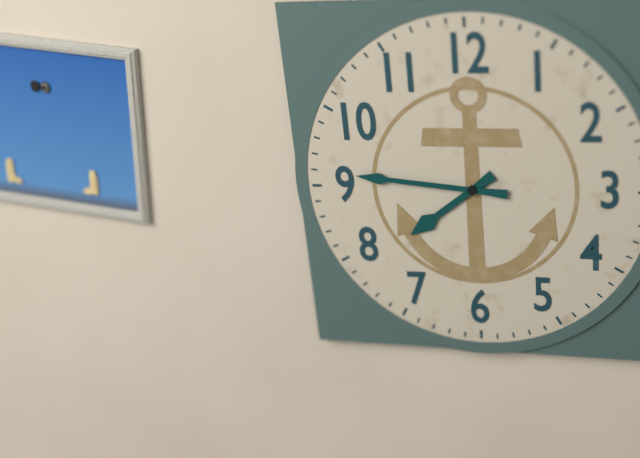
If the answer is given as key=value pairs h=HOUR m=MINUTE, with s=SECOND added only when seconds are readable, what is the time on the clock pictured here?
h=7 m=46
